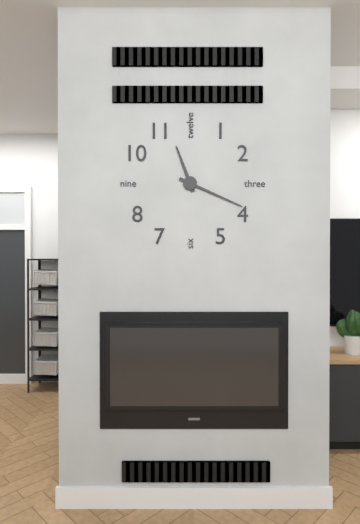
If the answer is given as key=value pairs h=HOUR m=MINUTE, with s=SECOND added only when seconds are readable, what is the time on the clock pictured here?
h=11 m=19
